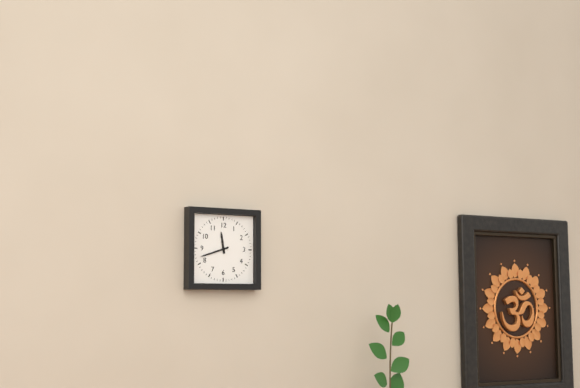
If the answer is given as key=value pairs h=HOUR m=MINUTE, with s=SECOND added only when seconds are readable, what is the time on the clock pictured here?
h=11 m=42
